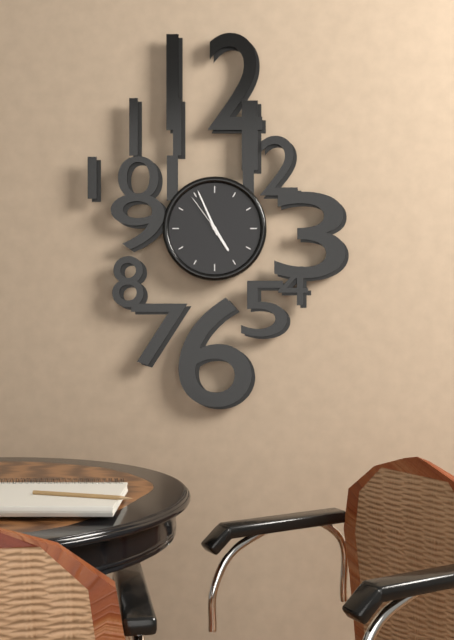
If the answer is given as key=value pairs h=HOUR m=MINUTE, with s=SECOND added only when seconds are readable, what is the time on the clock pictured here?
h=4 m=56 s=54
